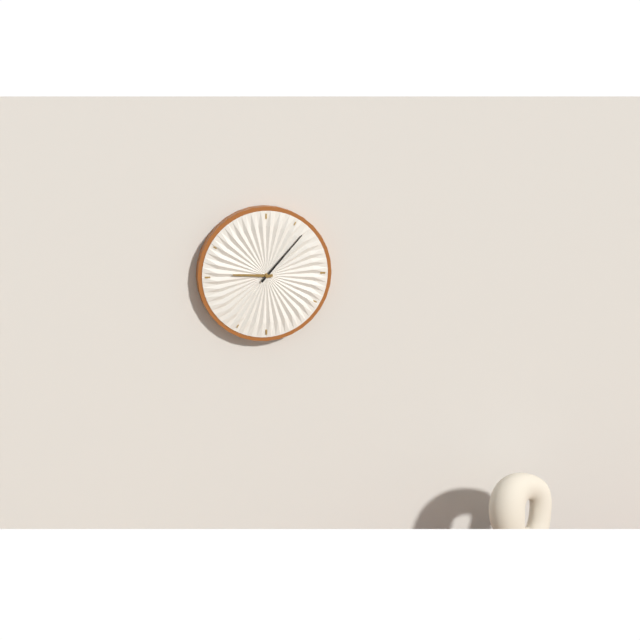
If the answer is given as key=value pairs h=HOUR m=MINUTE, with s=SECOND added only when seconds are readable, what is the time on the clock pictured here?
h=9 m=7
